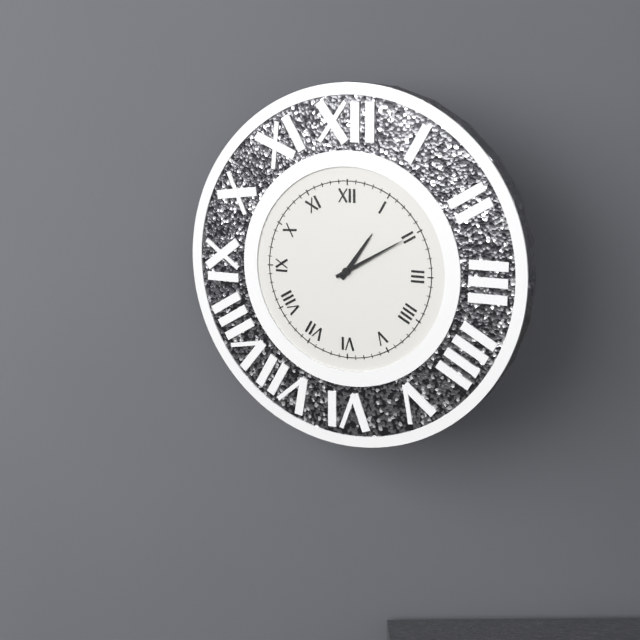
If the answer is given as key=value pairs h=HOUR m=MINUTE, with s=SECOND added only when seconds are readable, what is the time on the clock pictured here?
h=1 m=10
